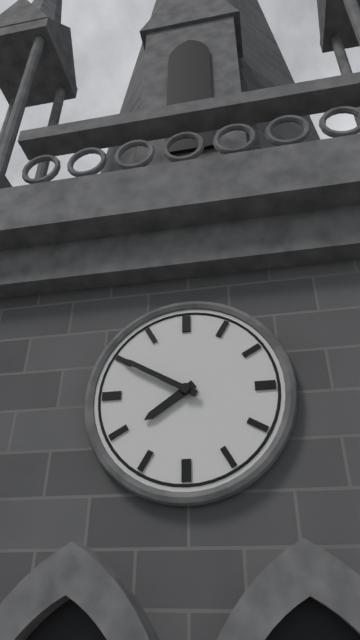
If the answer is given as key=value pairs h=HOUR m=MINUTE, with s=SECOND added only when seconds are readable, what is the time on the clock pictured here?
h=7 m=50
